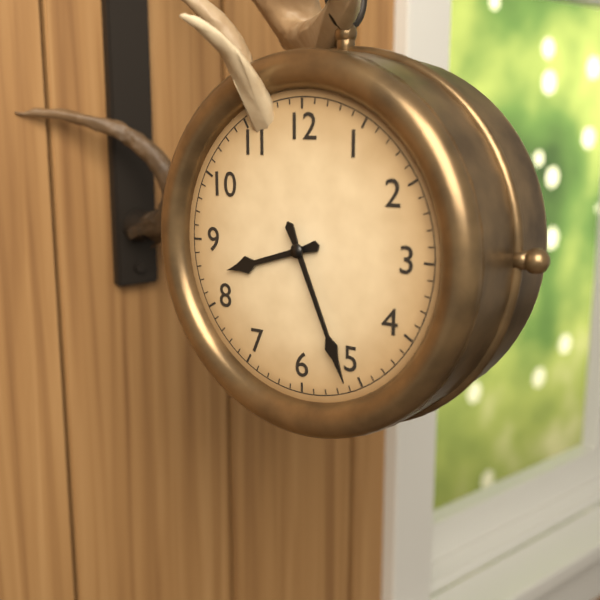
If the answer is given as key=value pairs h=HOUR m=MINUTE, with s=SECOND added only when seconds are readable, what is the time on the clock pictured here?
h=8 m=26
